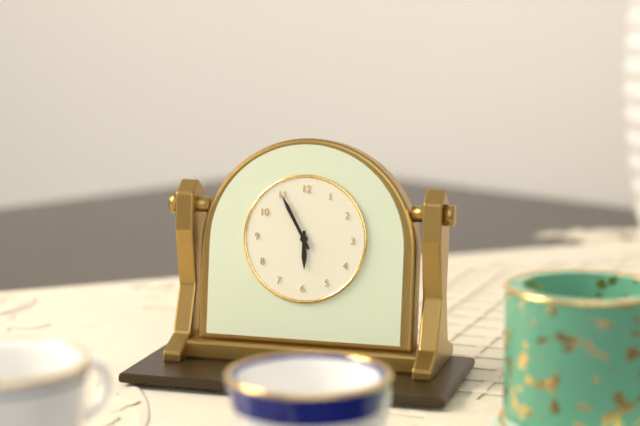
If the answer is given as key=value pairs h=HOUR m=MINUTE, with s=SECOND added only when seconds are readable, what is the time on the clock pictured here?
h=5 m=55
